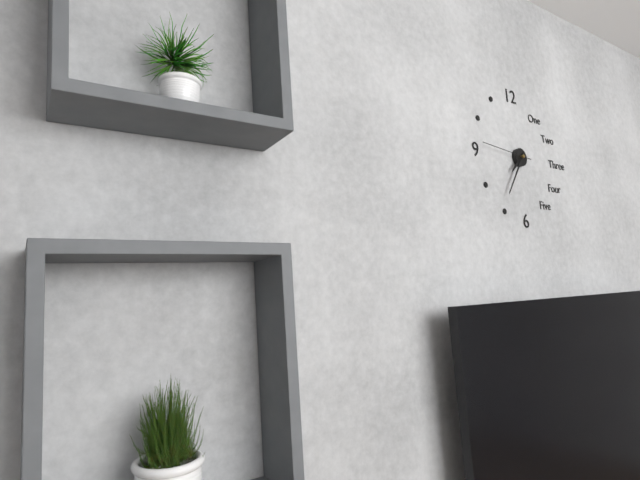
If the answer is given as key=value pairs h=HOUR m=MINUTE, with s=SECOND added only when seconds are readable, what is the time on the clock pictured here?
h=7 m=36 s=46
